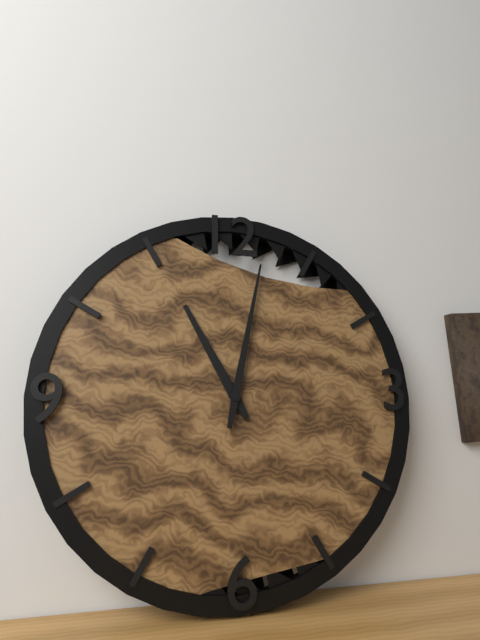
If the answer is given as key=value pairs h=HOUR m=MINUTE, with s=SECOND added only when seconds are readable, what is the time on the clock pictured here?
h=11 m=2
